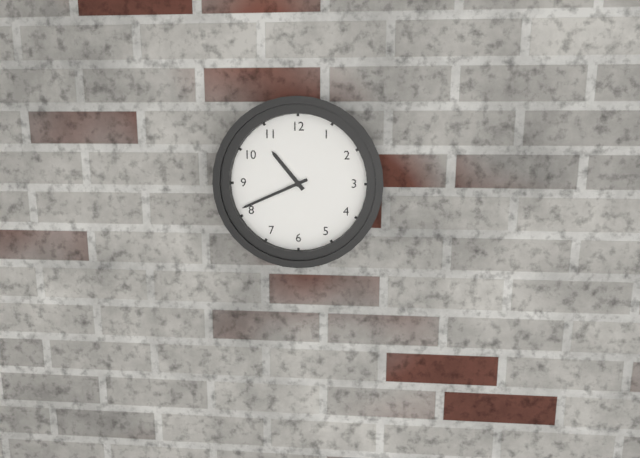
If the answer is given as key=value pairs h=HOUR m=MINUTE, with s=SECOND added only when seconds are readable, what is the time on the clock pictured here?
h=10 m=41
